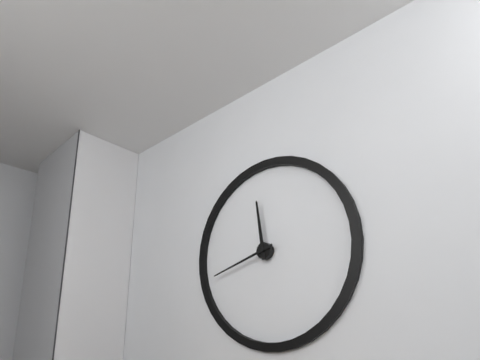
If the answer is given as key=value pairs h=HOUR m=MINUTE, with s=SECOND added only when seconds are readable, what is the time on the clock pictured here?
h=11 m=42
